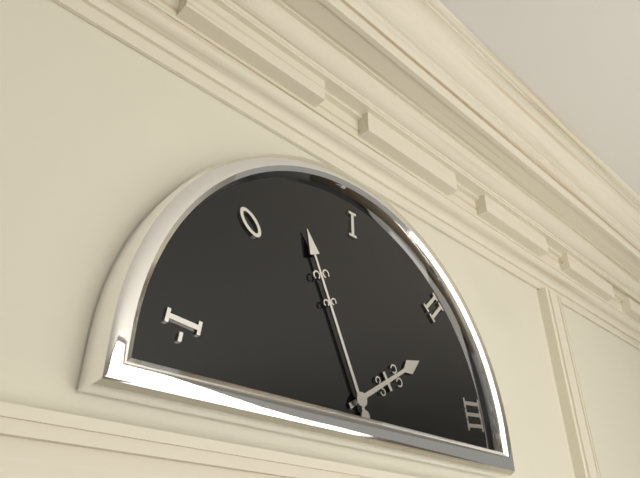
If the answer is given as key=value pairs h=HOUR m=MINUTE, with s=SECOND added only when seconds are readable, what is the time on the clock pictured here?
h=1 m=56
